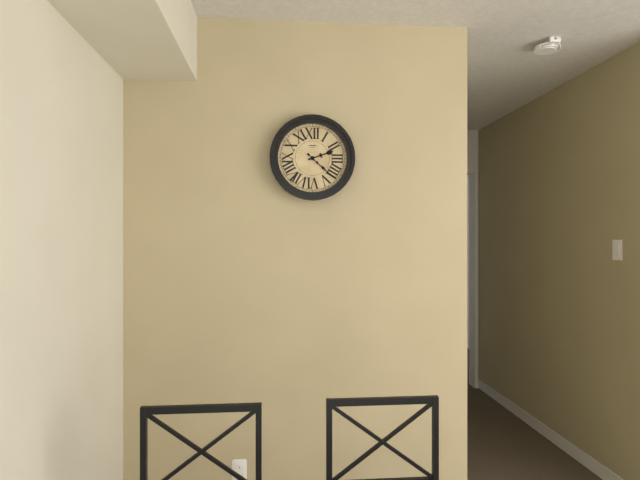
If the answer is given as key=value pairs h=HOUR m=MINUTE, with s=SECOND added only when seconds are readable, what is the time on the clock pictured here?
h=2 m=22
